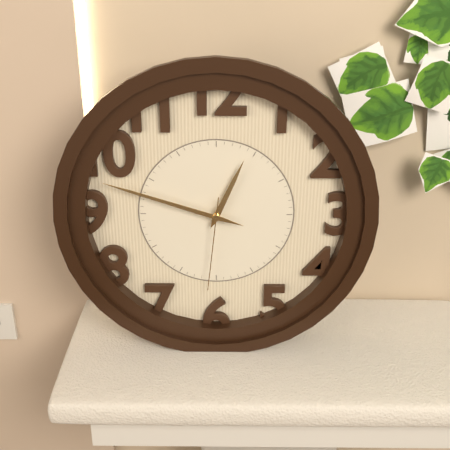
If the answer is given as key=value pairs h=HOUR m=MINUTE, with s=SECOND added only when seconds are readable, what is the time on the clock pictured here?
h=12 m=48 s=31
